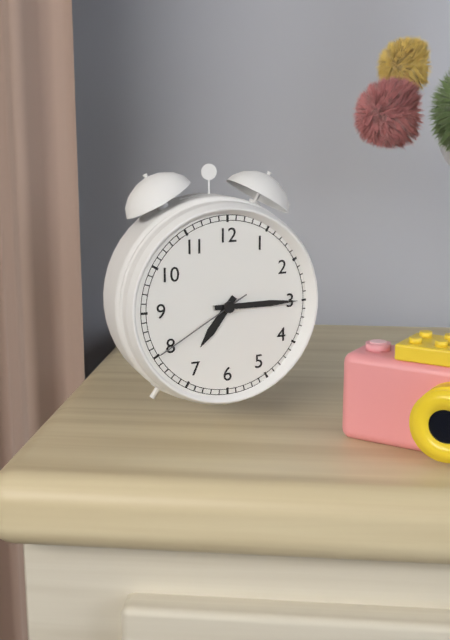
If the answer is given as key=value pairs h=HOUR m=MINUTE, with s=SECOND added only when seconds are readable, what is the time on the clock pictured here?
h=7 m=15 s=40
